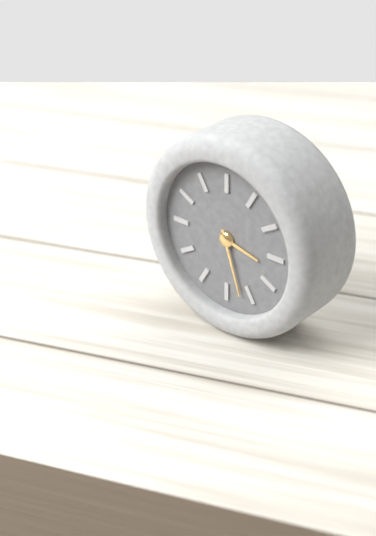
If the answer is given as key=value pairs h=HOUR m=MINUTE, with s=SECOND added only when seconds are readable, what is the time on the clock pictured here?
h=3 m=27
